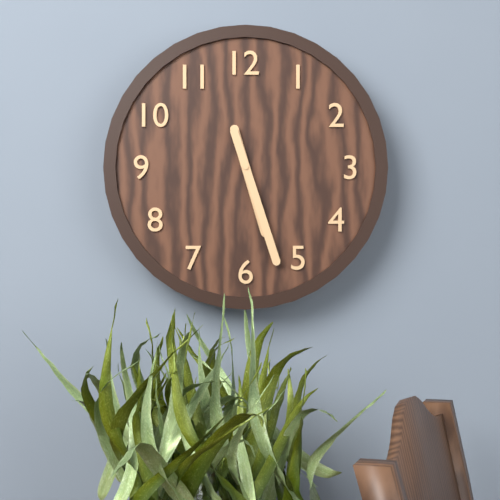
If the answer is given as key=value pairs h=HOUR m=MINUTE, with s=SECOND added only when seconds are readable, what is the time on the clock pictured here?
h=5 m=27
